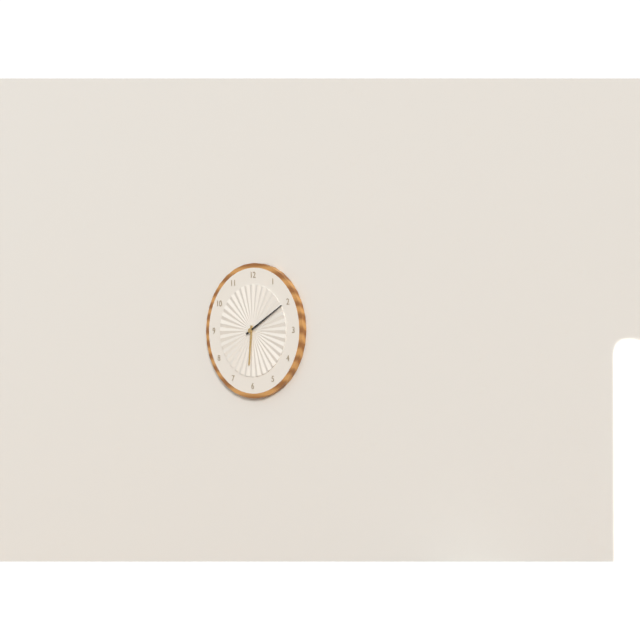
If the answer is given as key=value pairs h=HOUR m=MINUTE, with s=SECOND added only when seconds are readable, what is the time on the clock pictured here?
h=6 m=10
